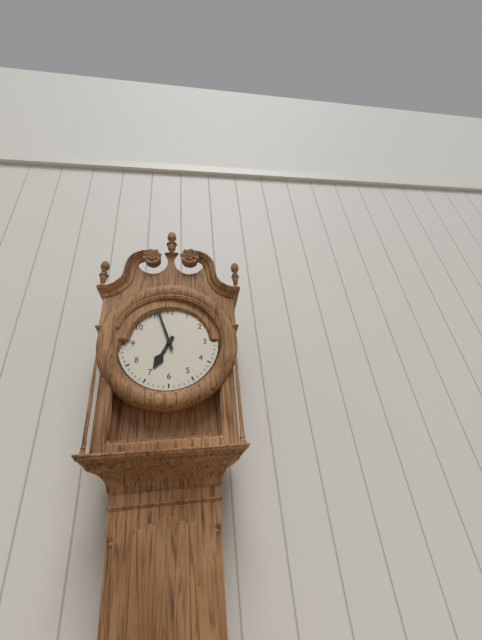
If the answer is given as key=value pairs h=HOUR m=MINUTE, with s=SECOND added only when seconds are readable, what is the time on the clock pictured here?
h=6 m=57
